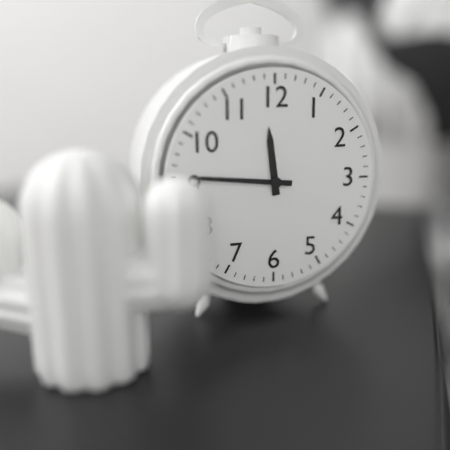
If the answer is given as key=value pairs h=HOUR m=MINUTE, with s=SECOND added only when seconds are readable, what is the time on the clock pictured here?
h=11 m=46
